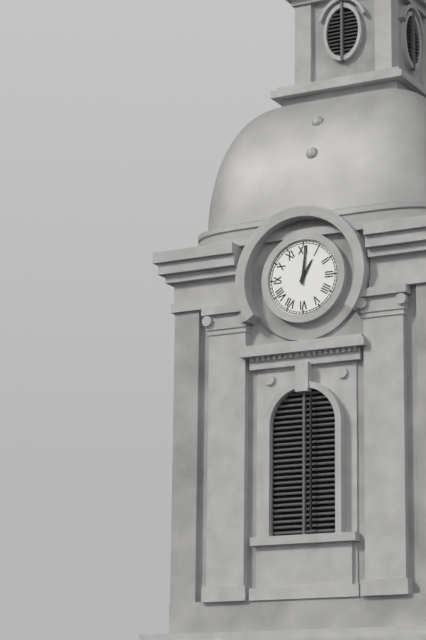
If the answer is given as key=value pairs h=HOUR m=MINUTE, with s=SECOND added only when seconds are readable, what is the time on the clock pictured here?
h=1 m=1
